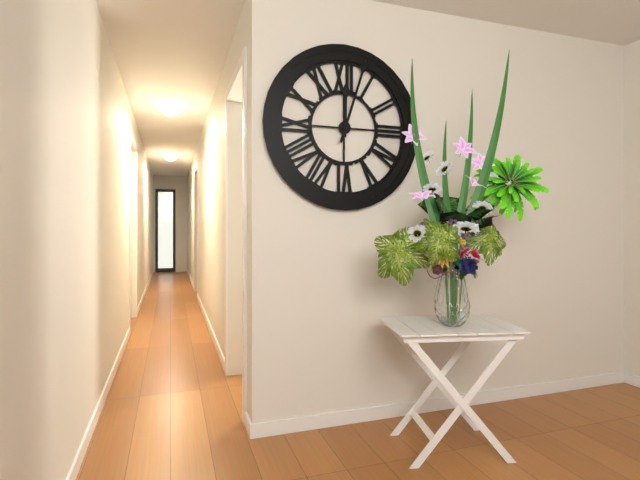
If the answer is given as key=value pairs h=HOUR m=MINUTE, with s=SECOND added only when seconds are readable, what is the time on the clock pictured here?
h=12 m=3
